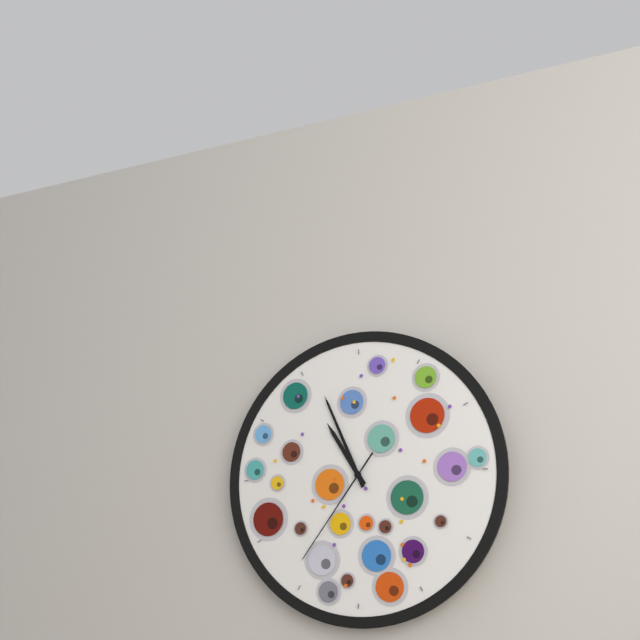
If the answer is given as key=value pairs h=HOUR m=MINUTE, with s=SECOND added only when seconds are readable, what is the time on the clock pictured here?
h=10 m=56 s=36
